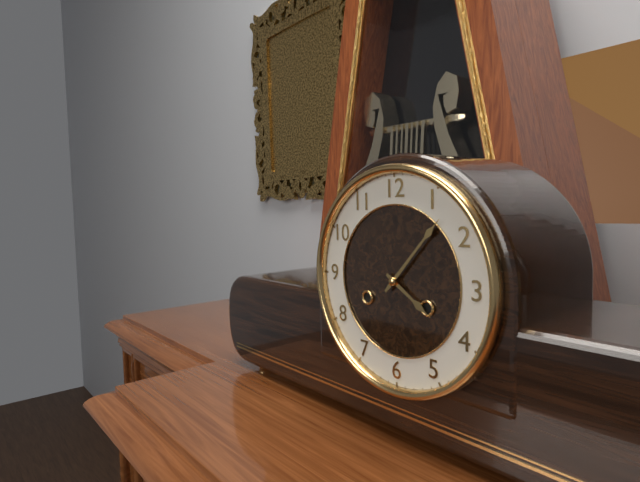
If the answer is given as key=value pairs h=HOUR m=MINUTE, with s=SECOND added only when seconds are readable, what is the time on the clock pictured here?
h=4 m=7
